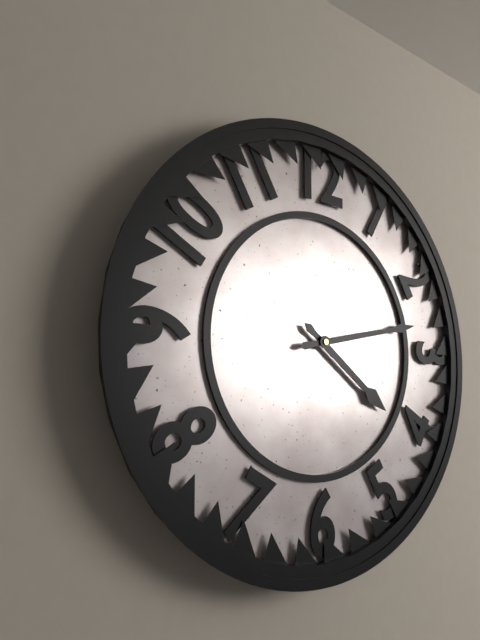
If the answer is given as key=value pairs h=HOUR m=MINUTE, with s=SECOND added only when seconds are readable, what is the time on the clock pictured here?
h=4 m=13
